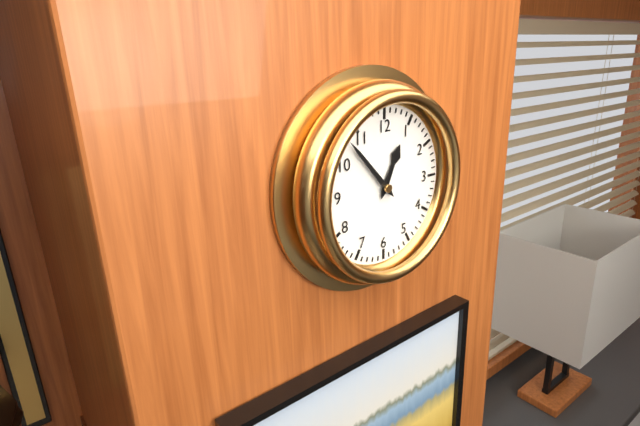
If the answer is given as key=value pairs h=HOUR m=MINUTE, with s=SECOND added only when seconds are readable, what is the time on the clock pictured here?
h=12 m=53
